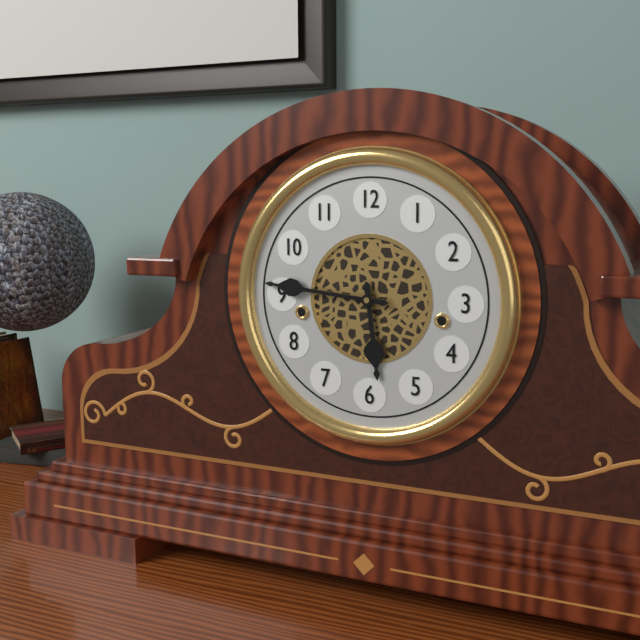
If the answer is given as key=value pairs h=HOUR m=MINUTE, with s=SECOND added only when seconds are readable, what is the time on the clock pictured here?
h=5 m=46
